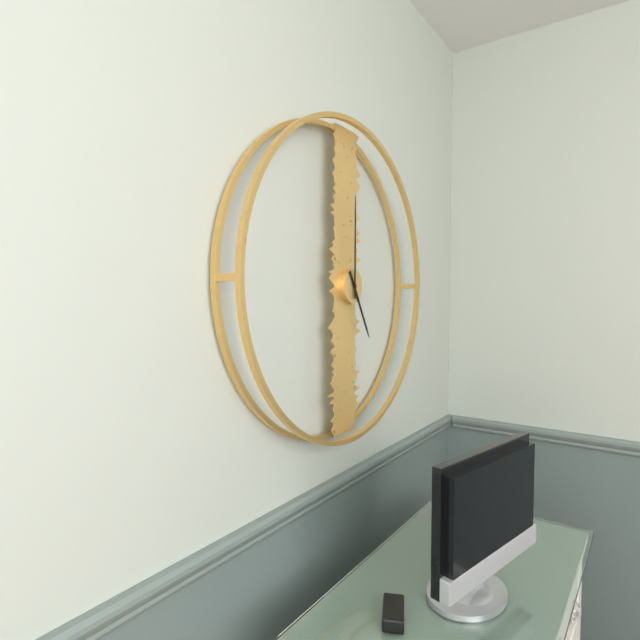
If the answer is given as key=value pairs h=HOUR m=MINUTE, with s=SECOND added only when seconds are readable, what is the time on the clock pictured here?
h=5 m=0
